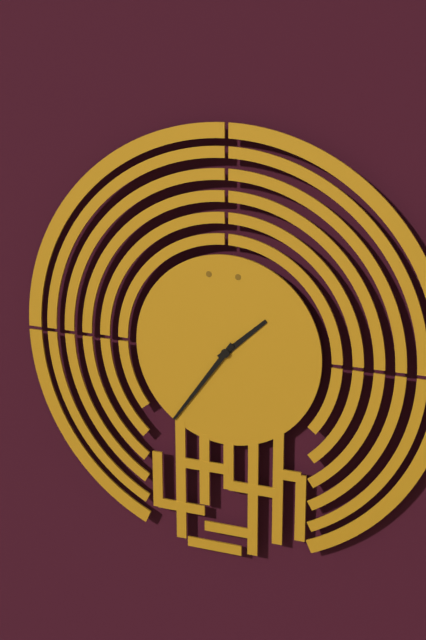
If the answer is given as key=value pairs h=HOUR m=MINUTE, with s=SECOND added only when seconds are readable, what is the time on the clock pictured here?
h=1 m=36
